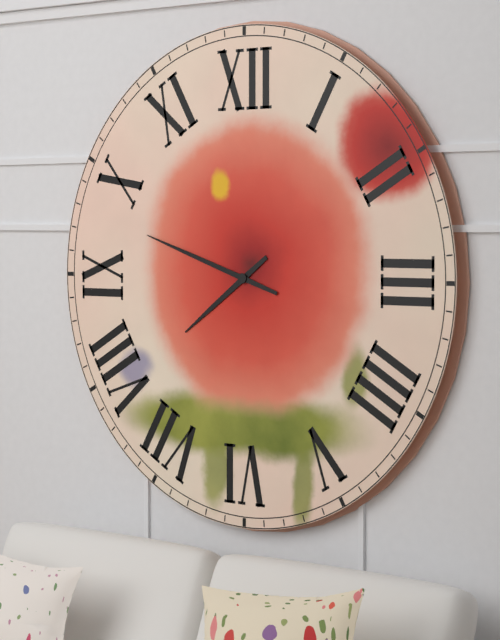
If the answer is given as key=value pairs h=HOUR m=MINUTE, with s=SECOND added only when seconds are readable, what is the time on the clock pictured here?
h=7 m=48
